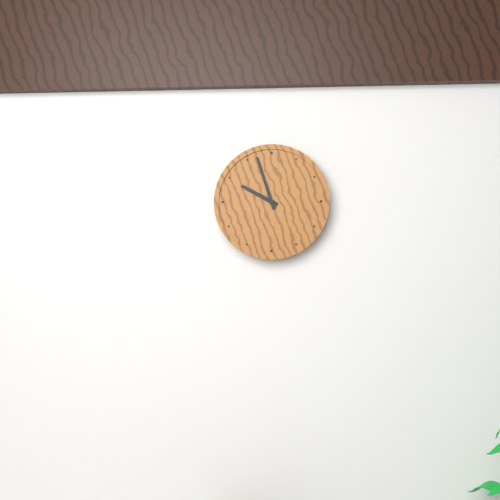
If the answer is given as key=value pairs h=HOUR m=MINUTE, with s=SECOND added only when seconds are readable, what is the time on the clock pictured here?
h=9 m=57
